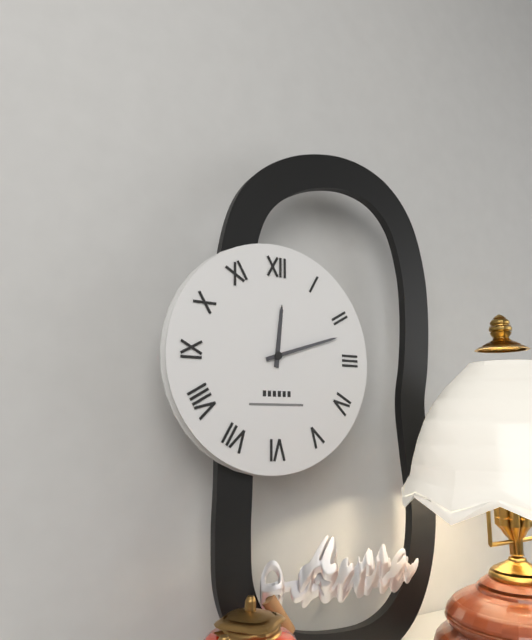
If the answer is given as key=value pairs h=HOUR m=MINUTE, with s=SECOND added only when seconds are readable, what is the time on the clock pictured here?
h=12 m=12
